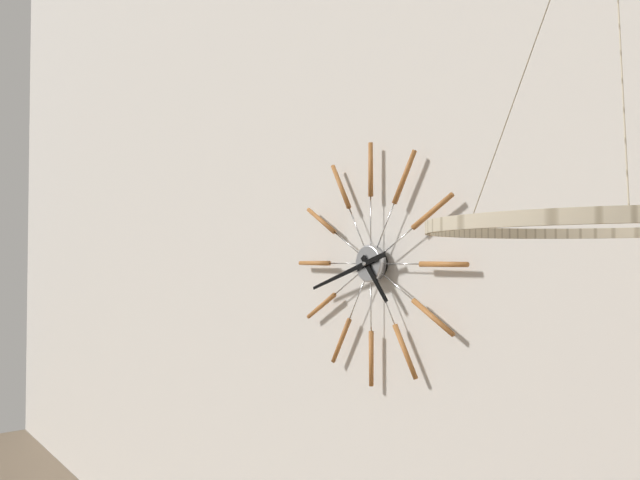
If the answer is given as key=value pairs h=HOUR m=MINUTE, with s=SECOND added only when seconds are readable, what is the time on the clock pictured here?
h=4 m=42
